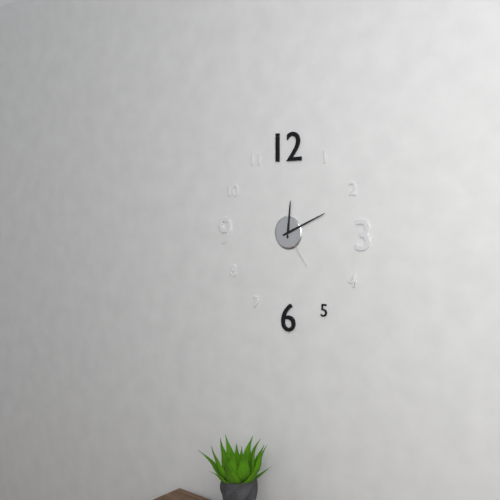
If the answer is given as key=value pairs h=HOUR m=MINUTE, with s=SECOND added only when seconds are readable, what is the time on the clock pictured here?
h=12 m=11 s=24
